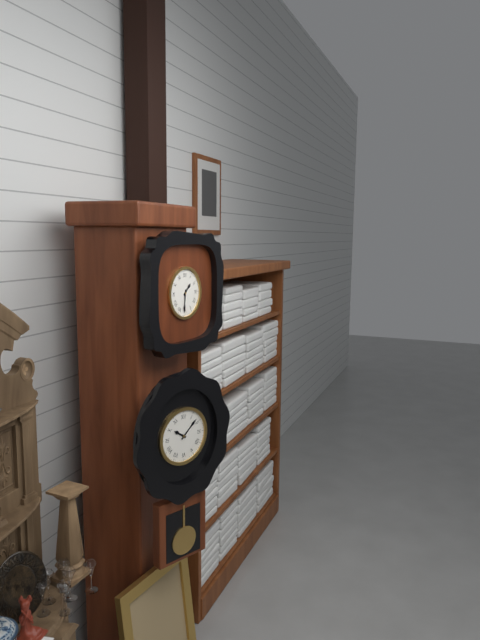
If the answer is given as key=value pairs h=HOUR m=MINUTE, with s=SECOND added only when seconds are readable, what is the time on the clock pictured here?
h=1 m=31
